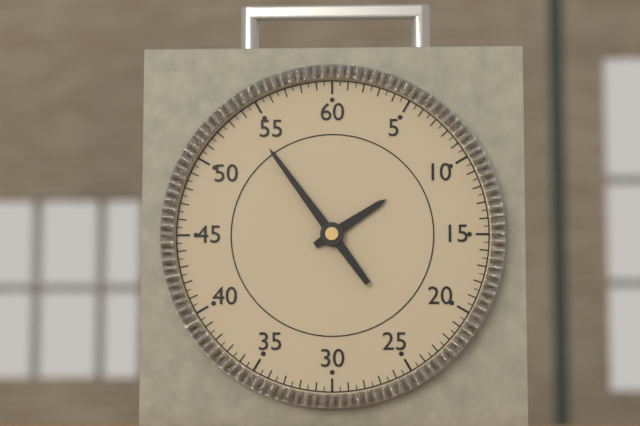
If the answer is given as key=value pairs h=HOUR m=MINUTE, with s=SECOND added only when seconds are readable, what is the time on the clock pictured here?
h=1 m=54
